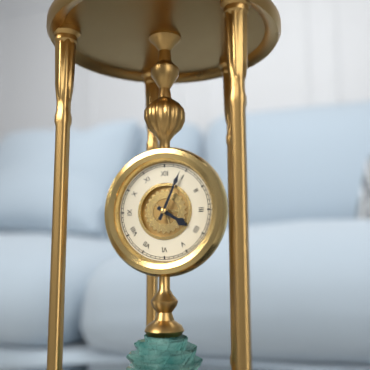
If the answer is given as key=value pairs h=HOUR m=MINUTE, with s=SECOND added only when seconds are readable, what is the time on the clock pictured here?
h=4 m=4
